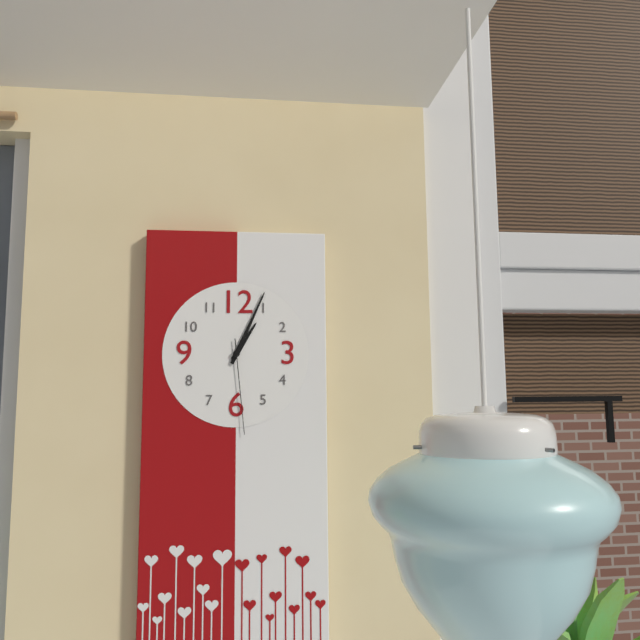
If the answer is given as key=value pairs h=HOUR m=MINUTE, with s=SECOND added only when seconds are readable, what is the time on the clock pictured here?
h=1 m=4 s=29
